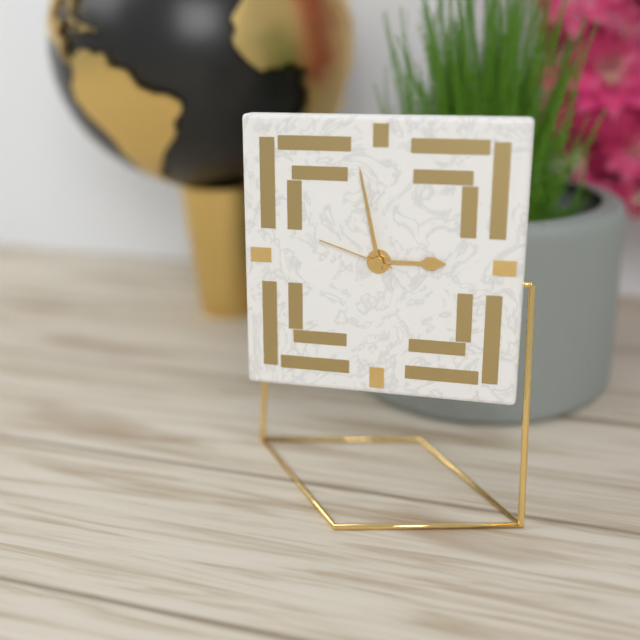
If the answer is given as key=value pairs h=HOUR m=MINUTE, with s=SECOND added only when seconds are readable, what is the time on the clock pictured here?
h=2 m=58 s=48
